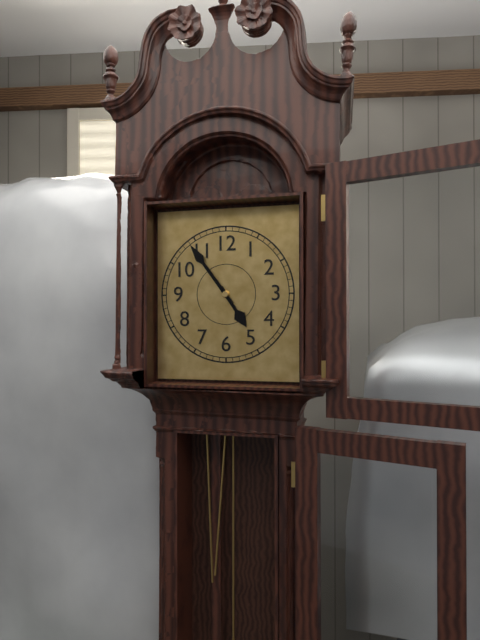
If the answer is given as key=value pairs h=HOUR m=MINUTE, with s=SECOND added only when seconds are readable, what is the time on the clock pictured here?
h=4 m=54
